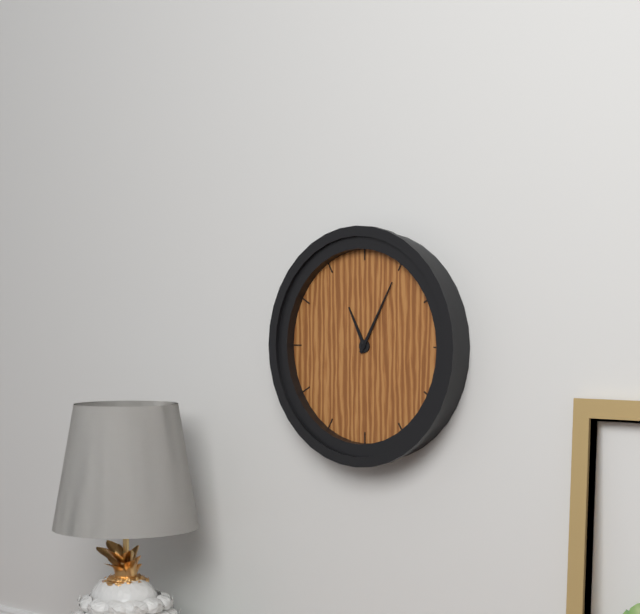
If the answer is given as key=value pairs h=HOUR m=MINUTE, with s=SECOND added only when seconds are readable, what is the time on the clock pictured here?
h=11 m=5
